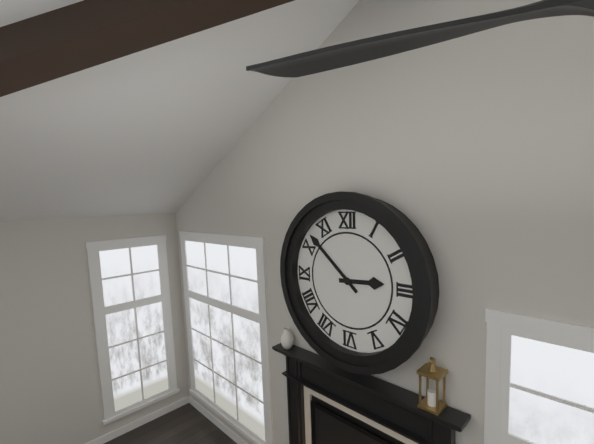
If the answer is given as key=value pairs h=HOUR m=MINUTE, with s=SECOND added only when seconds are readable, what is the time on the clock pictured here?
h=2 m=52
